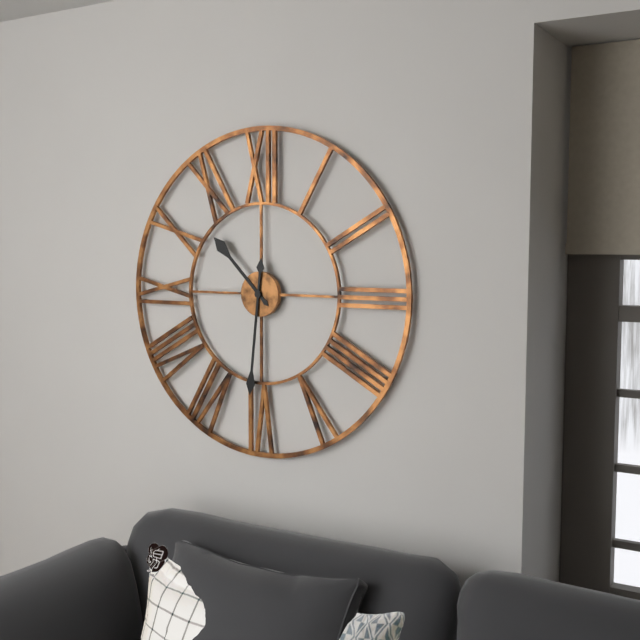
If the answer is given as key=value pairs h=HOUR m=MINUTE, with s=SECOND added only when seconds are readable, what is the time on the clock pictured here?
h=10 m=31
